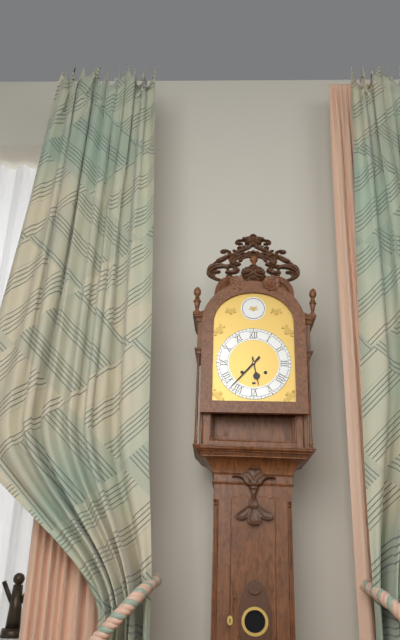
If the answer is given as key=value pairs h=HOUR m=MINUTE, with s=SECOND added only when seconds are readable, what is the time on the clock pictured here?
h=5 m=37
